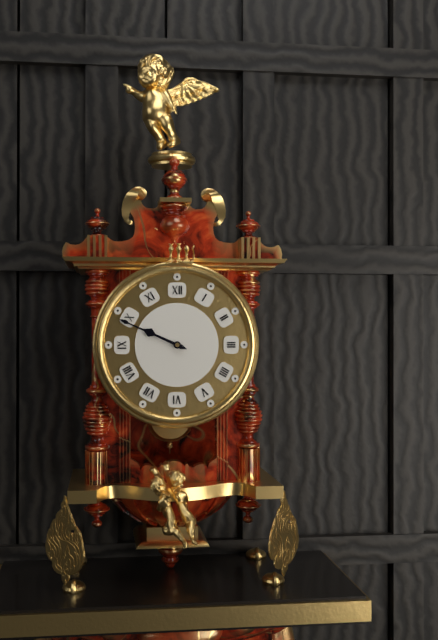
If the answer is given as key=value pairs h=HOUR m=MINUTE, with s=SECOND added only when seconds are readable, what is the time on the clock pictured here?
h=9 m=49
